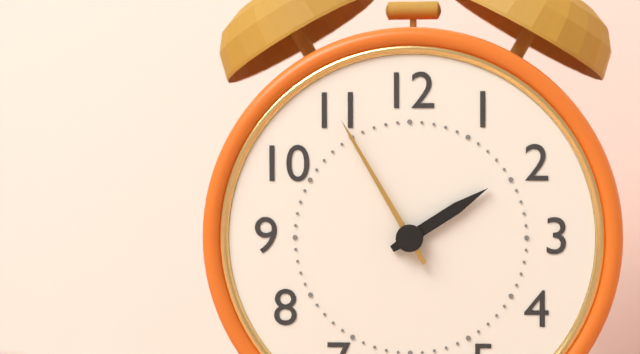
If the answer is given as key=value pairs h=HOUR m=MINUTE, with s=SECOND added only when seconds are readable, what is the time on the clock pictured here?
h=1 m=55
